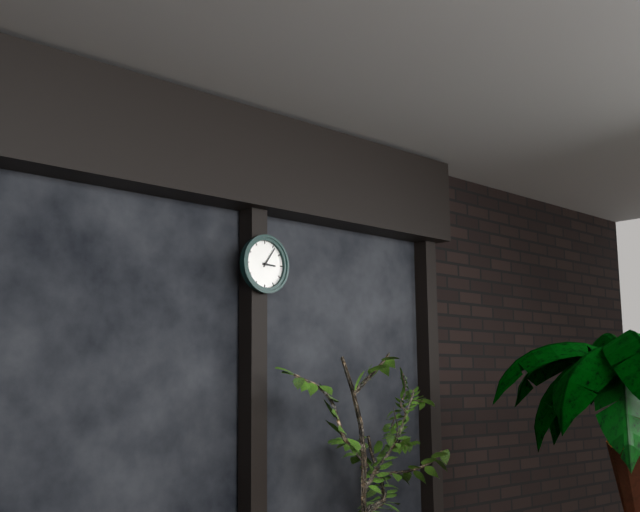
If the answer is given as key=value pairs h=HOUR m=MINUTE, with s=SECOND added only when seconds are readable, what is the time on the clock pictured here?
h=3 m=6
